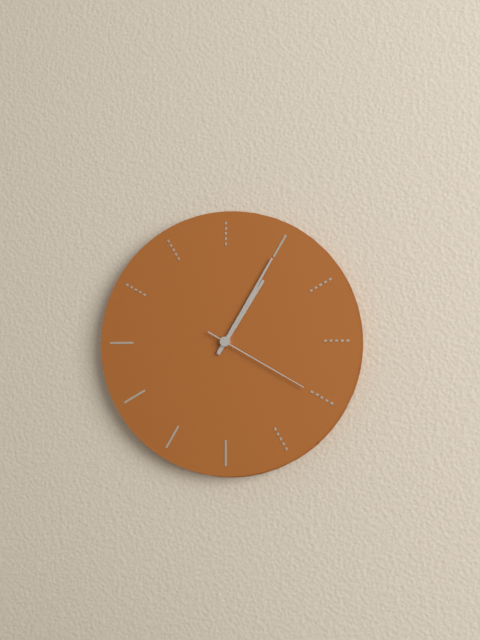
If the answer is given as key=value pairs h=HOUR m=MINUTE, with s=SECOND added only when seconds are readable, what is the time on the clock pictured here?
h=1 m=5 s=20
